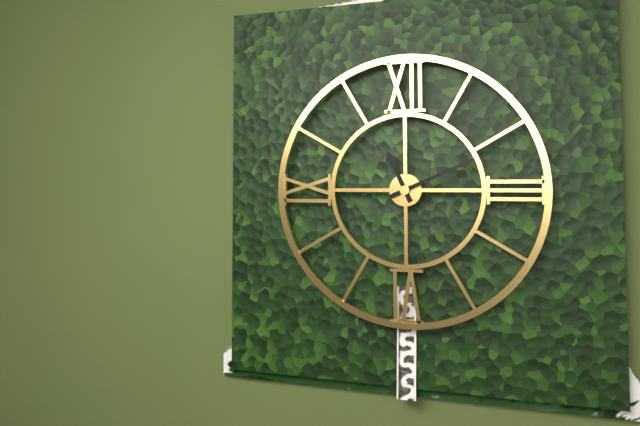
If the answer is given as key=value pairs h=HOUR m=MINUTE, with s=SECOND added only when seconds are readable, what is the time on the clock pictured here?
h=11 m=11
